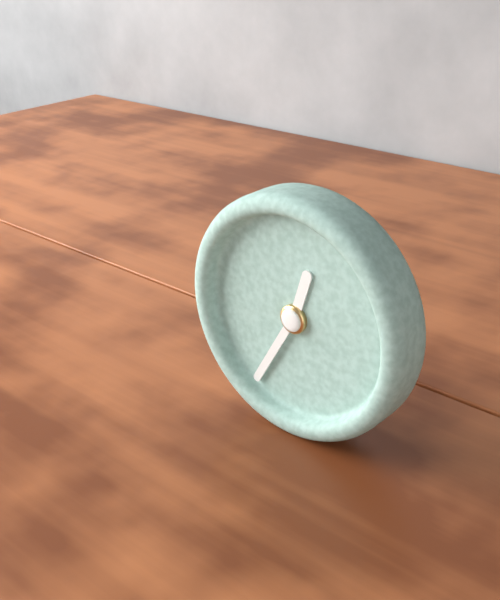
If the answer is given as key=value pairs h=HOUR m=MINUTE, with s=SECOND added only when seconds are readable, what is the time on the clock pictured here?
h=12 m=35
